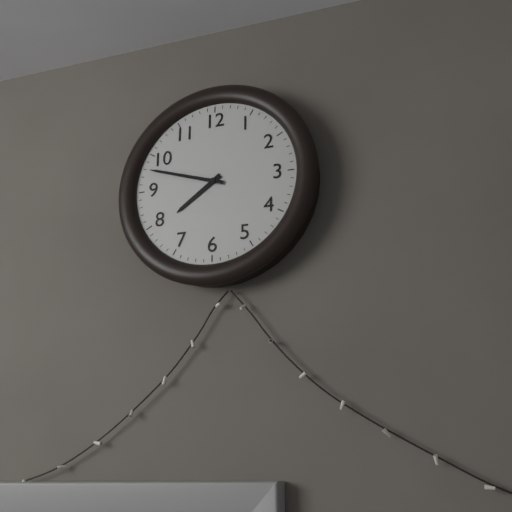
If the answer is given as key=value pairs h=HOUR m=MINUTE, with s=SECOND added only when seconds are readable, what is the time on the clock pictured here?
h=7 m=48
